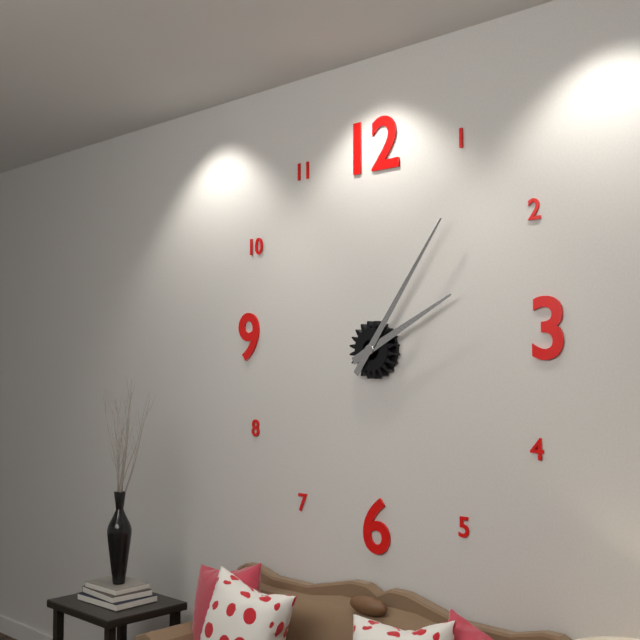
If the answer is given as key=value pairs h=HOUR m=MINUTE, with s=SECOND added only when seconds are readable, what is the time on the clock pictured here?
h=2 m=6
